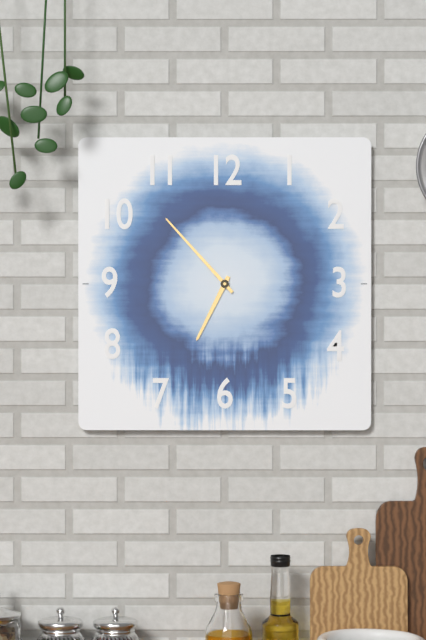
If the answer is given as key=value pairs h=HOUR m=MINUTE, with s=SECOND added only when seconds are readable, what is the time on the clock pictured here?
h=6 m=53
